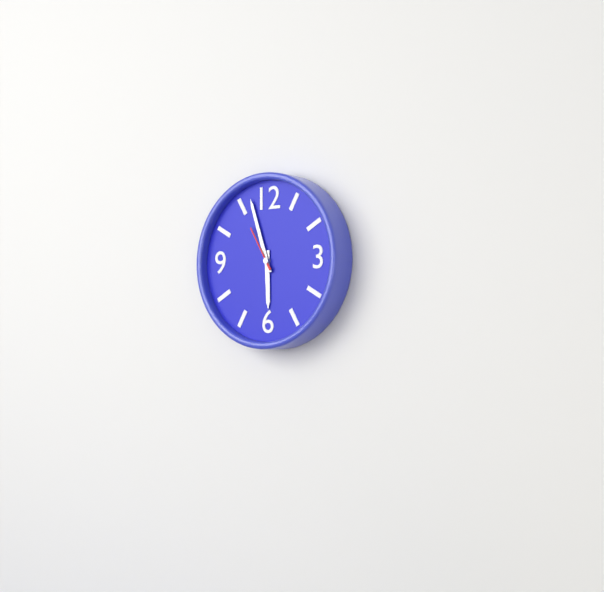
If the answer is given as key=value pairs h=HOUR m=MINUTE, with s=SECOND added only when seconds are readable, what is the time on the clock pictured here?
h=5 m=57
